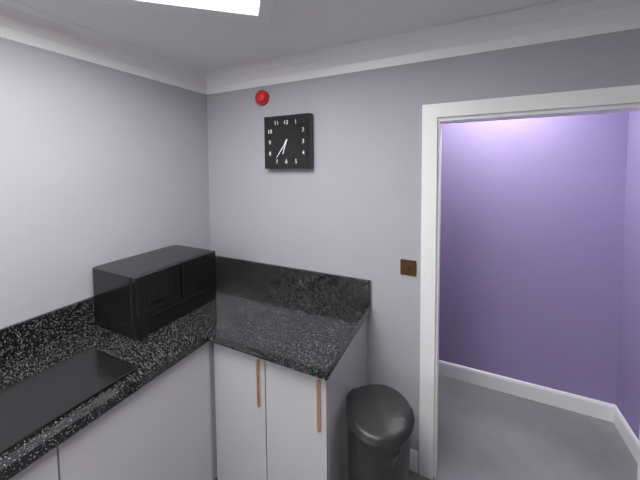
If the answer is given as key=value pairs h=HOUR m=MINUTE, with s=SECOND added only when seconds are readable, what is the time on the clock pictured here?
h=6 m=36
